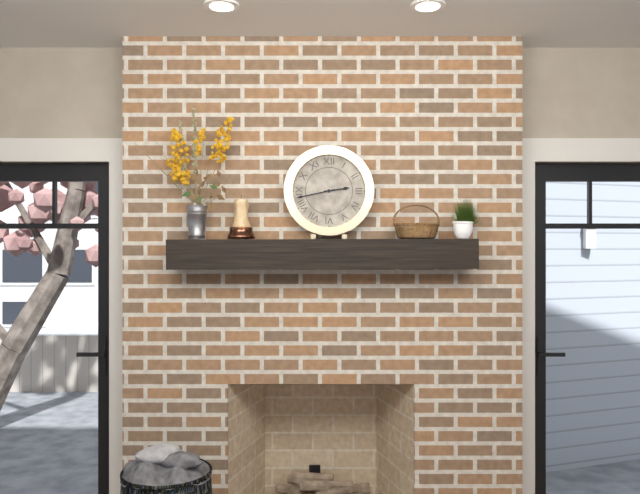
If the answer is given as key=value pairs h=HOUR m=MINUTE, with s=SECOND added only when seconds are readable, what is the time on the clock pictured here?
h=2 m=43
